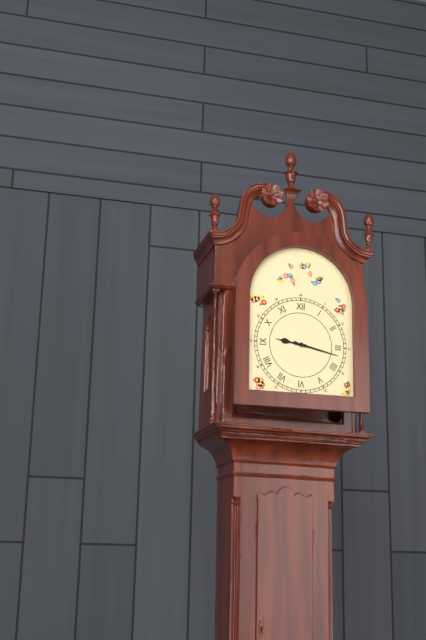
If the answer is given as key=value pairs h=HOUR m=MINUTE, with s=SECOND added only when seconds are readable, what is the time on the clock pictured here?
h=9 m=17
